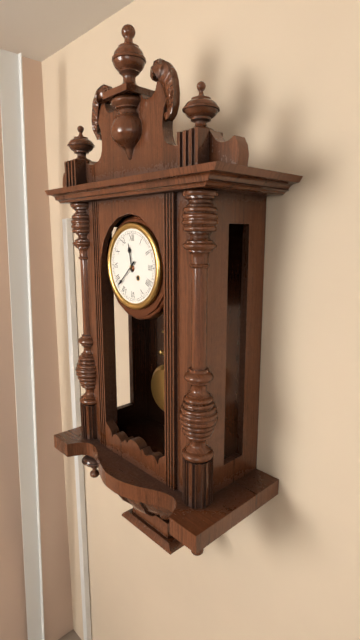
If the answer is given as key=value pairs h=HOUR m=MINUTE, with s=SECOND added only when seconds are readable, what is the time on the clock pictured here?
h=11 m=38
